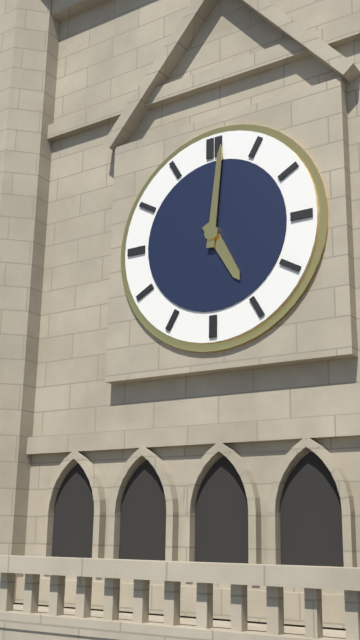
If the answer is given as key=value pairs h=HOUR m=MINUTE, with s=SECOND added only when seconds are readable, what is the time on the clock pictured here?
h=5 m=1
